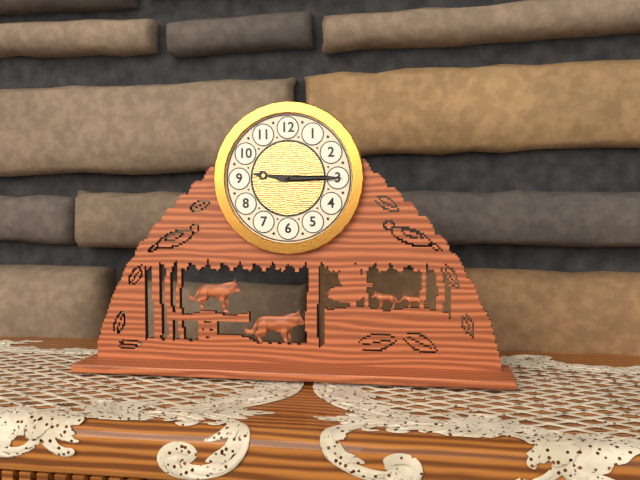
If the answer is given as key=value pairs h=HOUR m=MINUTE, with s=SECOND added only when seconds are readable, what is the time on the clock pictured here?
h=9 m=15
